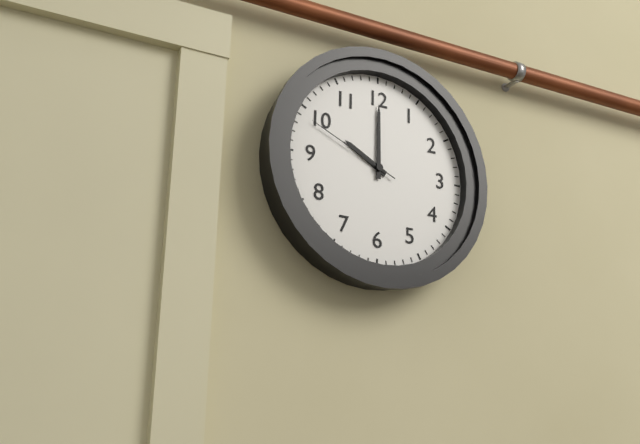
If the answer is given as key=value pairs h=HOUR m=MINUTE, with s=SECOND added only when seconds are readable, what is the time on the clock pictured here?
h=10 m=0 s=49
